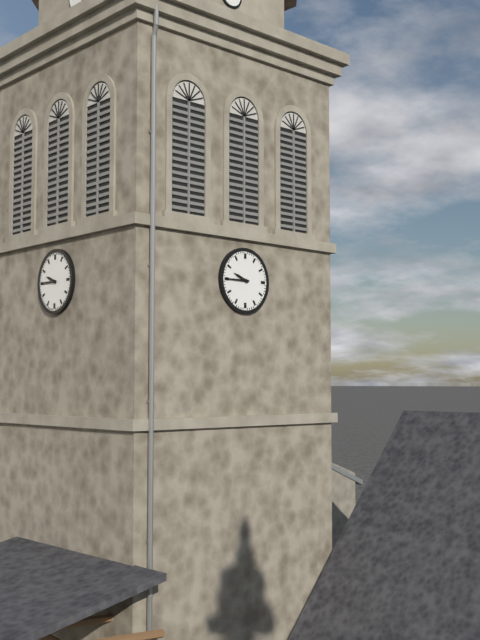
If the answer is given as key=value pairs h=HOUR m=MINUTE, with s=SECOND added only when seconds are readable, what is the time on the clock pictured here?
h=9 m=45
